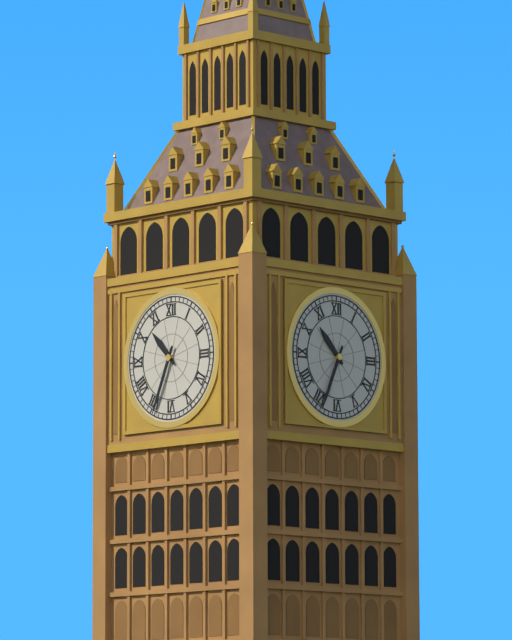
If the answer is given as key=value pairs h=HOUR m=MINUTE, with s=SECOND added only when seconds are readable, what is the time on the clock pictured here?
h=10 m=34
